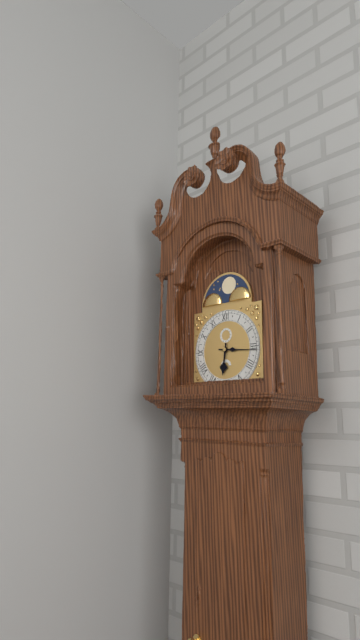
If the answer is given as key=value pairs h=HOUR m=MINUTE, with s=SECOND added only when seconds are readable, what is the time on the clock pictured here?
h=6 m=16
